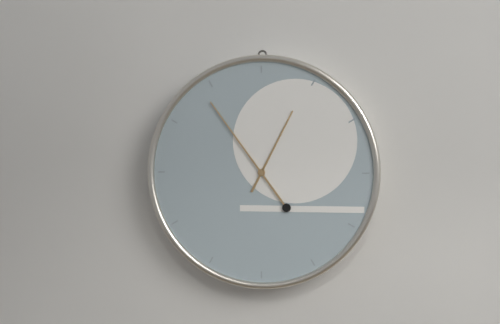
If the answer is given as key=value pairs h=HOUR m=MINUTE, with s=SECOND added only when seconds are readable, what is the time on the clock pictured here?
h=12 m=54
